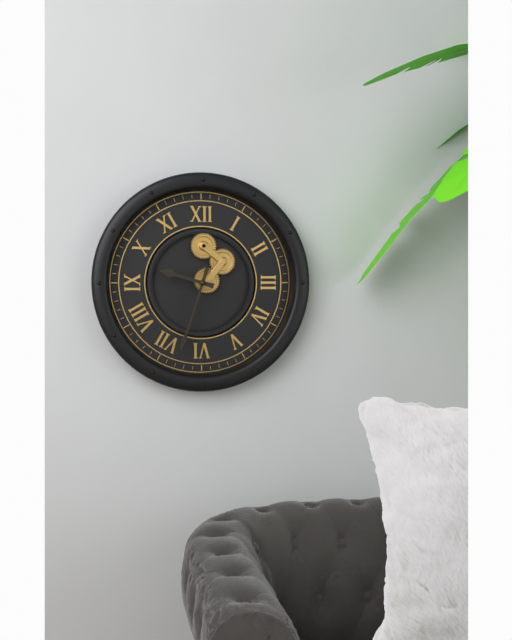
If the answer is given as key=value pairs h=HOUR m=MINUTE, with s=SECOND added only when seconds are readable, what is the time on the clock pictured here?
h=9 m=33
